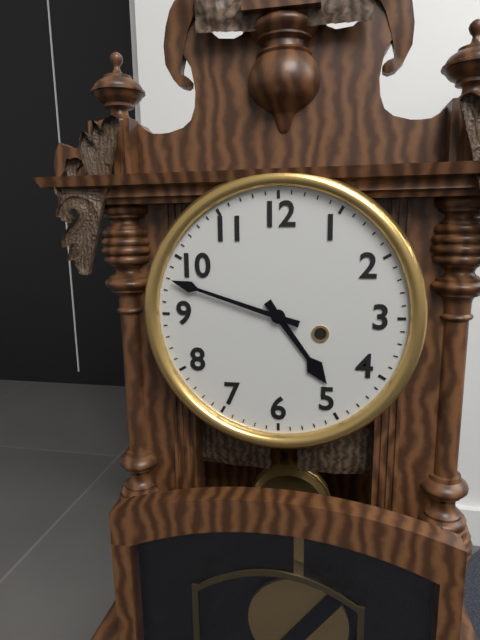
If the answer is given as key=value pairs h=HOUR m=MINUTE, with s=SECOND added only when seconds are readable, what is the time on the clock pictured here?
h=4 m=48
